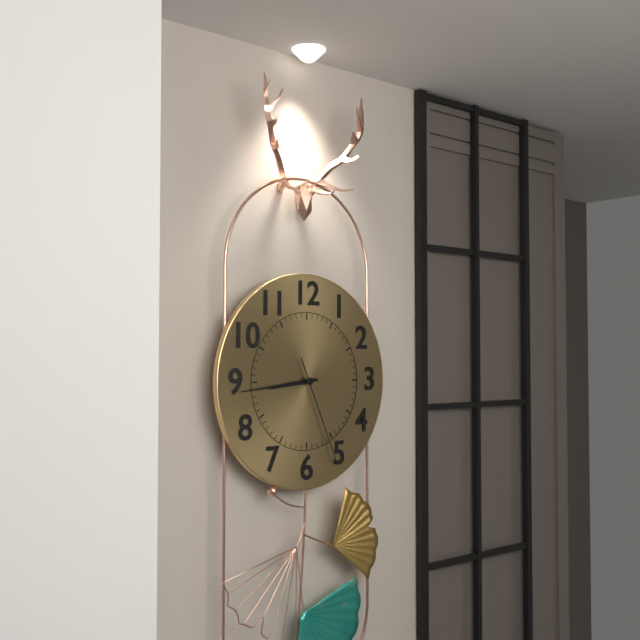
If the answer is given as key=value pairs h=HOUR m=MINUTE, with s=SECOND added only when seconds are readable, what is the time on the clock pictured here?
h=8 m=44 s=26
